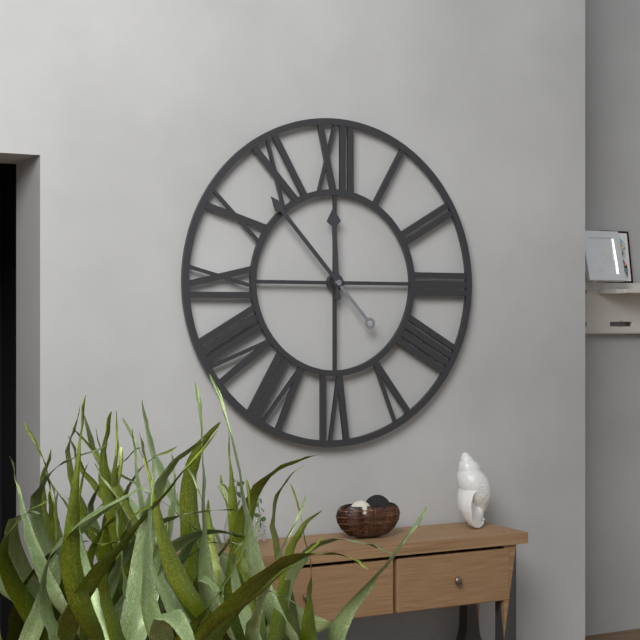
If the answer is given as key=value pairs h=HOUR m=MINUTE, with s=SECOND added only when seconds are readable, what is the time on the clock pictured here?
h=11 m=53
